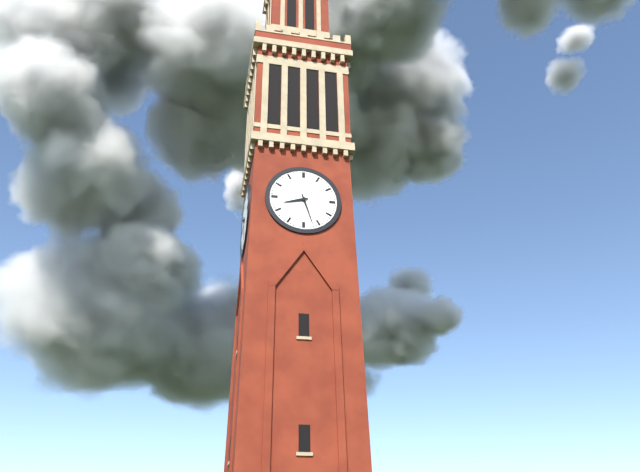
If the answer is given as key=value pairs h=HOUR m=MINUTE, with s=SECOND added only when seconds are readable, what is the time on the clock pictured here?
h=8 m=27
